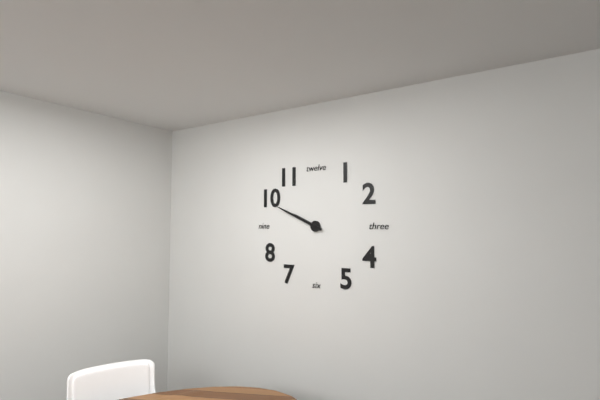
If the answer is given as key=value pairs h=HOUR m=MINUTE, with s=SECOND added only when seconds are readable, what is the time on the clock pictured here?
h=9 m=49
